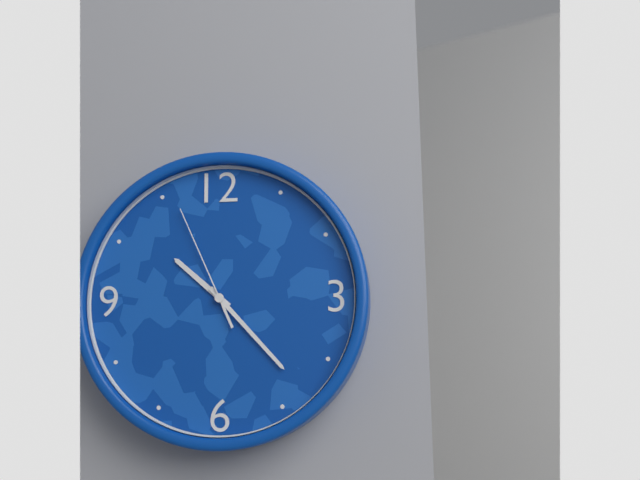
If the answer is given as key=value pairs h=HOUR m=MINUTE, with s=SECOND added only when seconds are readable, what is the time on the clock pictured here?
h=10 m=23 s=56
